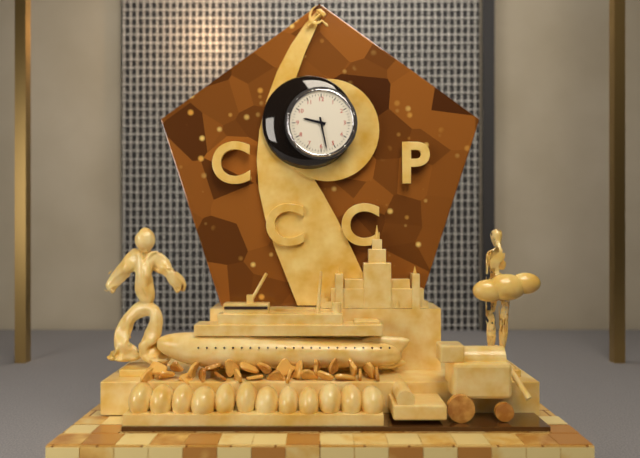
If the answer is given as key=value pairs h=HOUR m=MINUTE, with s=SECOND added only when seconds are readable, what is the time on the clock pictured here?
h=9 m=28
